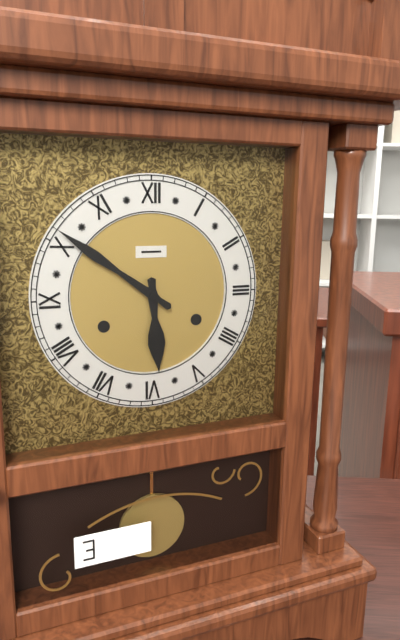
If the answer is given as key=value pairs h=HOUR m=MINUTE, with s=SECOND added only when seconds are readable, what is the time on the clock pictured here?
h=5 m=51
